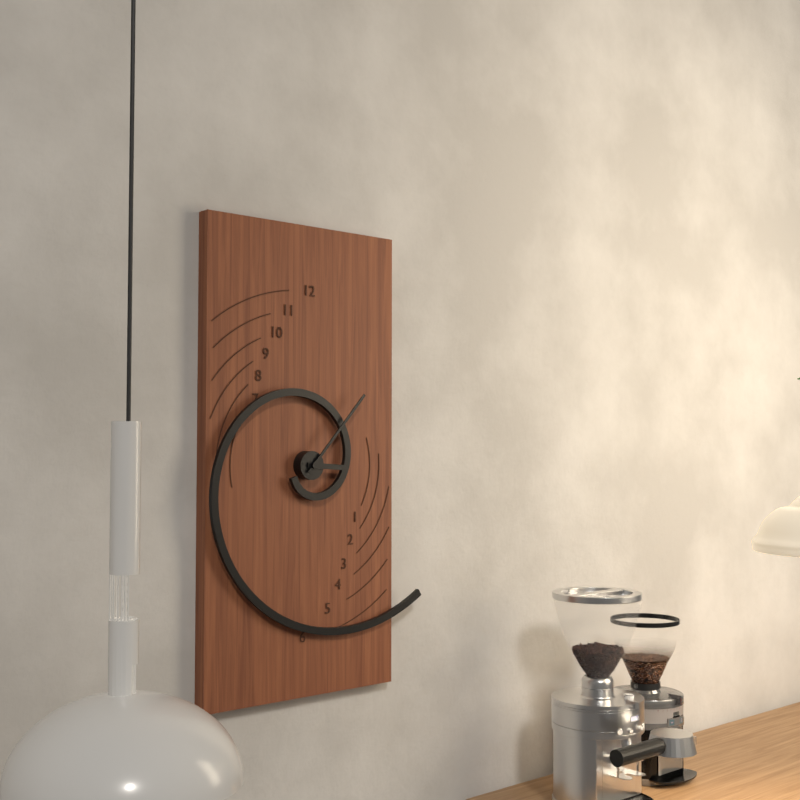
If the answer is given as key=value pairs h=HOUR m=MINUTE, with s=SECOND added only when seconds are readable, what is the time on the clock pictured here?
h=3 m=7
